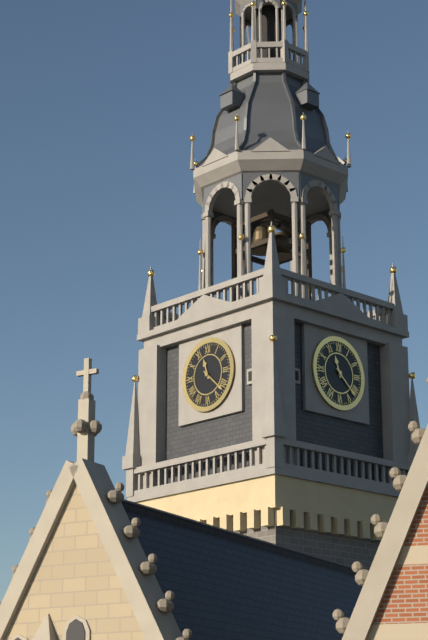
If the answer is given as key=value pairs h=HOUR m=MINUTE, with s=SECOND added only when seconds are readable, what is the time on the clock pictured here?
h=11 m=22
